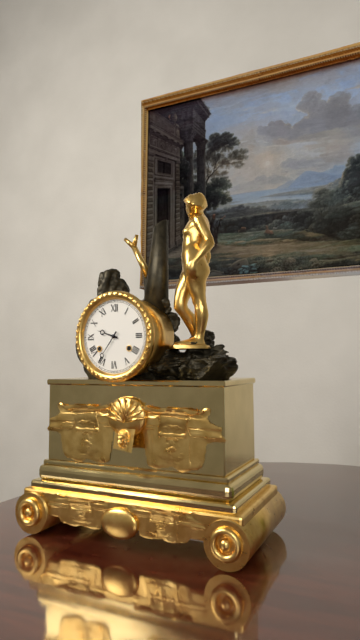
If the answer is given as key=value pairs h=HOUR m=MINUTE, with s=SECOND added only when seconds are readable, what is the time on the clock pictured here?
h=9 m=36
